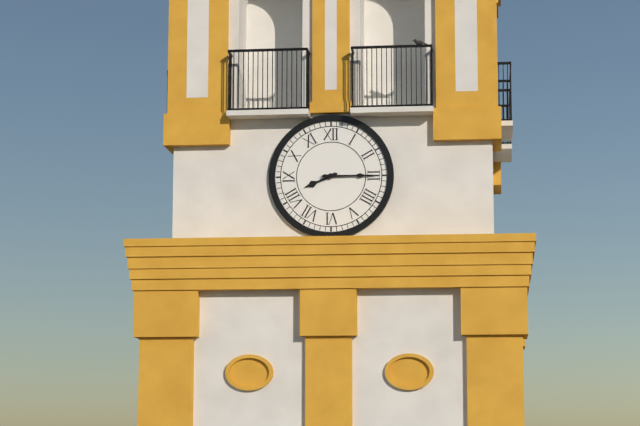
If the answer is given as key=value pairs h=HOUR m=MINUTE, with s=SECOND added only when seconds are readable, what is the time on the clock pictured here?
h=8 m=15
